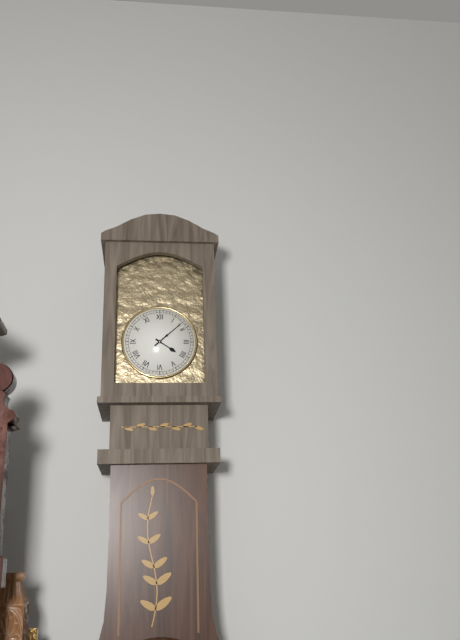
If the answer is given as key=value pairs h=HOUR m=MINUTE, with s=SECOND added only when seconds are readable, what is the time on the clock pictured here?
h=4 m=8
